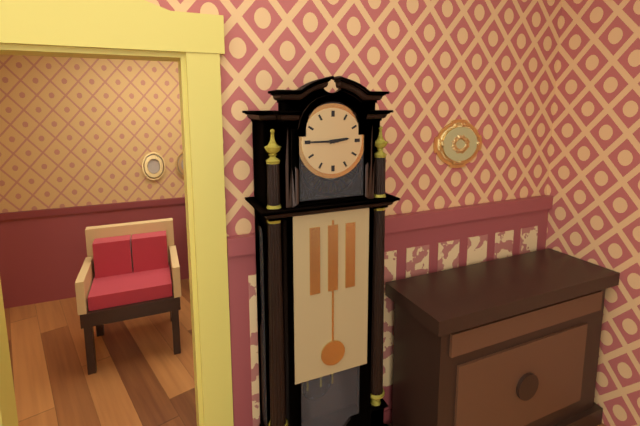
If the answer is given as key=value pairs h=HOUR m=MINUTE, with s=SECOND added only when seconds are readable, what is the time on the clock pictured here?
h=2 m=45
